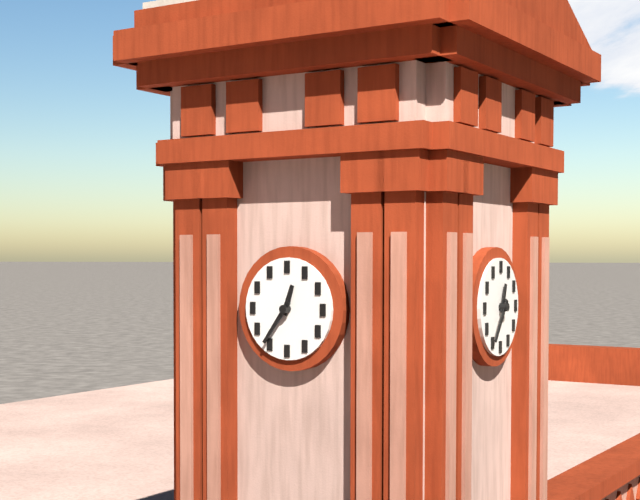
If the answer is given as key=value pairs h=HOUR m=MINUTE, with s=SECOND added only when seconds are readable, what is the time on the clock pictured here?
h=12 m=36
